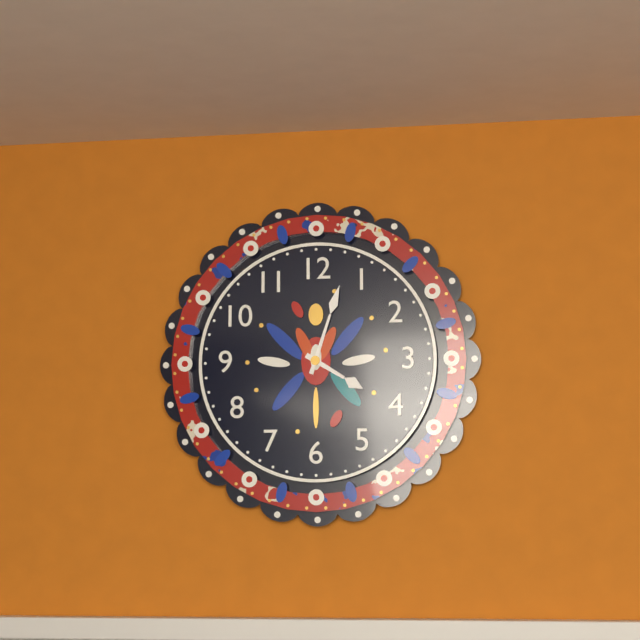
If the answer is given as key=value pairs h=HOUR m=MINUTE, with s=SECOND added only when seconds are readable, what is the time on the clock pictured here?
h=4 m=3
